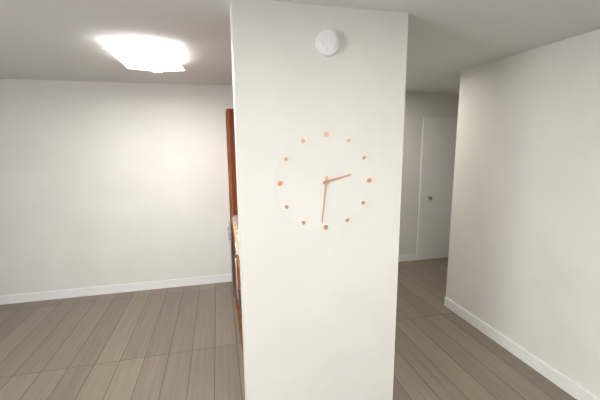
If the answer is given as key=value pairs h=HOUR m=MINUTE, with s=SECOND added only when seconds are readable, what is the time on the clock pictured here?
h=2 m=31
